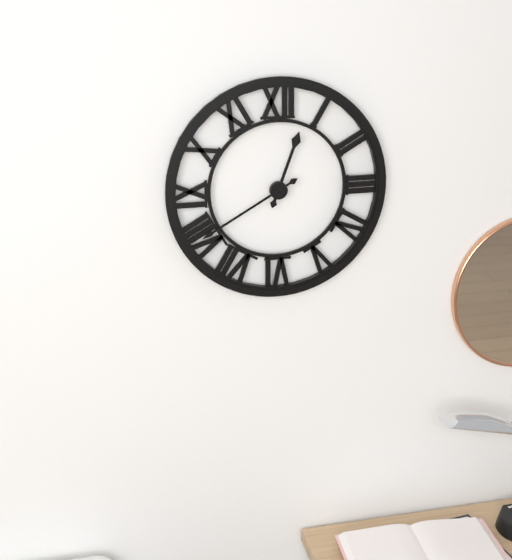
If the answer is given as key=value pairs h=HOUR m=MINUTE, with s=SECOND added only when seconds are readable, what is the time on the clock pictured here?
h=12 m=40
